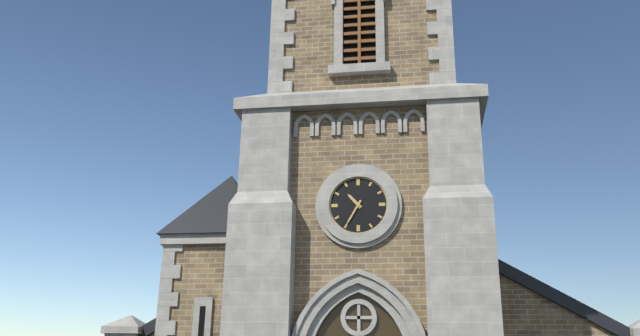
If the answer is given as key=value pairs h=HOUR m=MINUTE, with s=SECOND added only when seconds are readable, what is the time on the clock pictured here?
h=10 m=35
